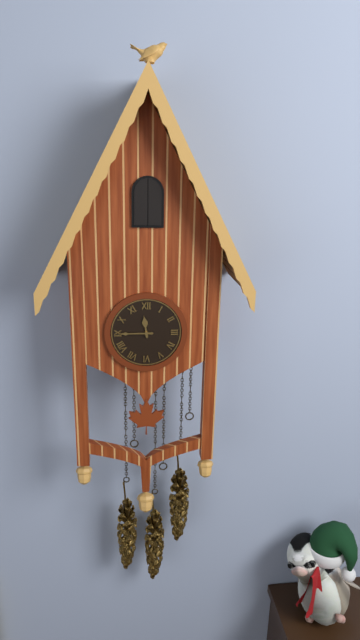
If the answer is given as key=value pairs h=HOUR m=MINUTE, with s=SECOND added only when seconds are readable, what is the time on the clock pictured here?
h=11 m=45
